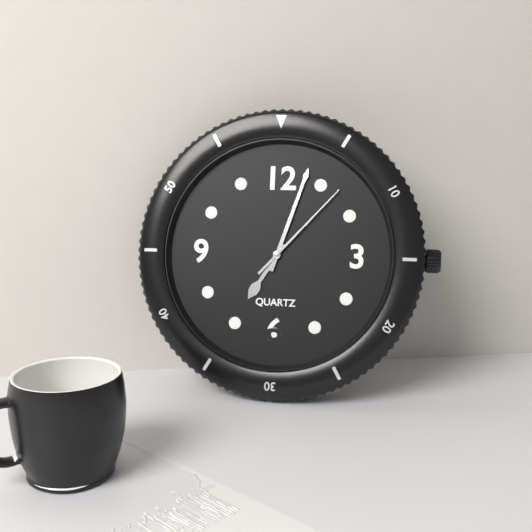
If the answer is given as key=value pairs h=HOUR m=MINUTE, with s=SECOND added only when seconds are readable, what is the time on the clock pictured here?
h=7 m=3 s=7
